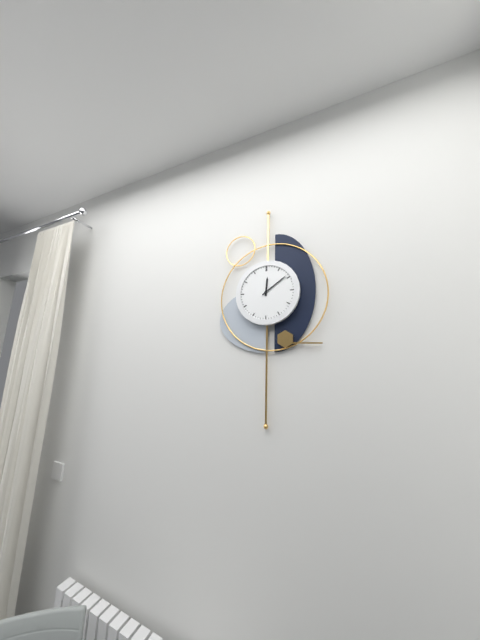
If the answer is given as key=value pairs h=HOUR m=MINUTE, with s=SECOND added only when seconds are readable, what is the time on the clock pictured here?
h=12 m=9
